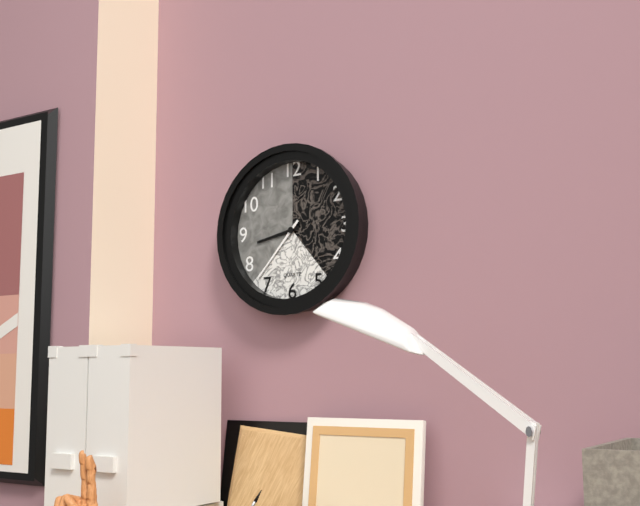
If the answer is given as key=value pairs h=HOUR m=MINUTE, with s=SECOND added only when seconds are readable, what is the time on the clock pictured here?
h=8 m=37
